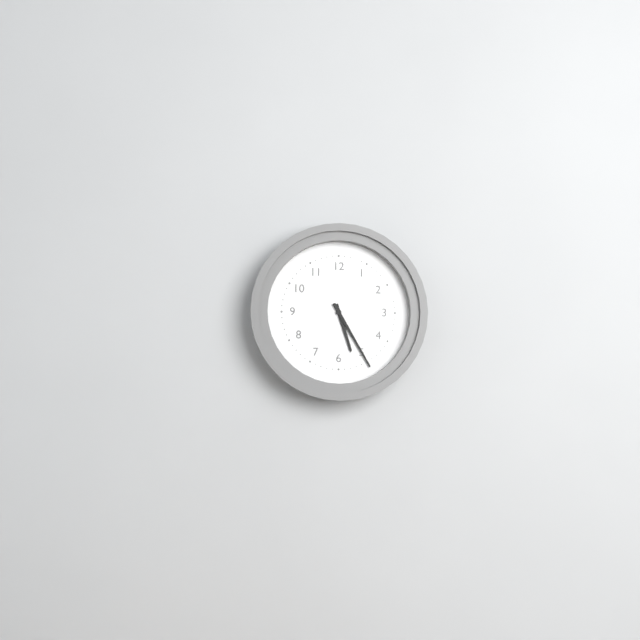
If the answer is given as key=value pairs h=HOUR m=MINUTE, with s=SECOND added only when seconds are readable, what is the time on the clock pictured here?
h=5 m=25
